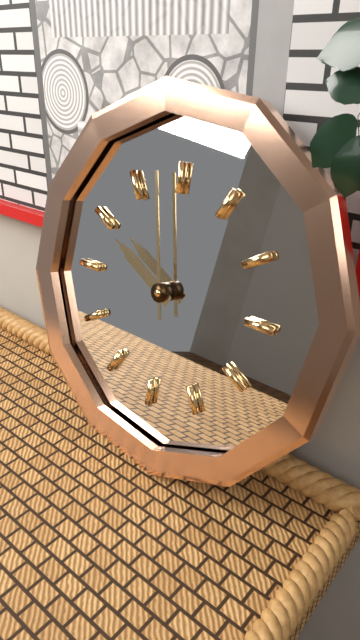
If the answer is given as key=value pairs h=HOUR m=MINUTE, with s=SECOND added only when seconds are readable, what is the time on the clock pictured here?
h=9 m=58
